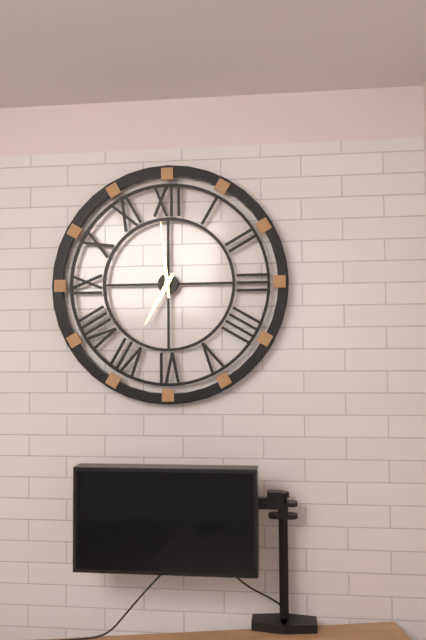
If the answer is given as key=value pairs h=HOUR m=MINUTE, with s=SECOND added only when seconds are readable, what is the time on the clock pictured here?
h=6 m=59
